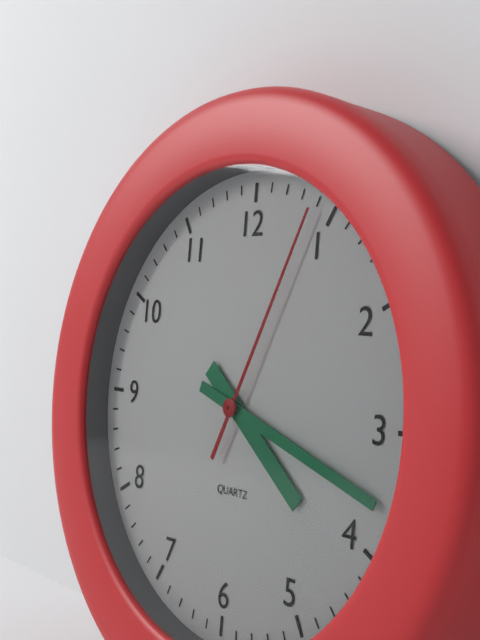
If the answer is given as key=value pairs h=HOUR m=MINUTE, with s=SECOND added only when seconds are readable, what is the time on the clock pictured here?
h=4 m=18 s=4
